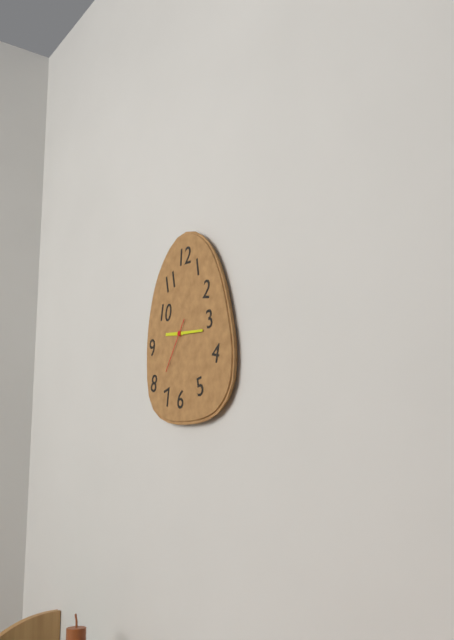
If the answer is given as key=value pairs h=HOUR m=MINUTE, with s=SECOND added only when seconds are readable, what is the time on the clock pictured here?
h=9 m=16 s=36
